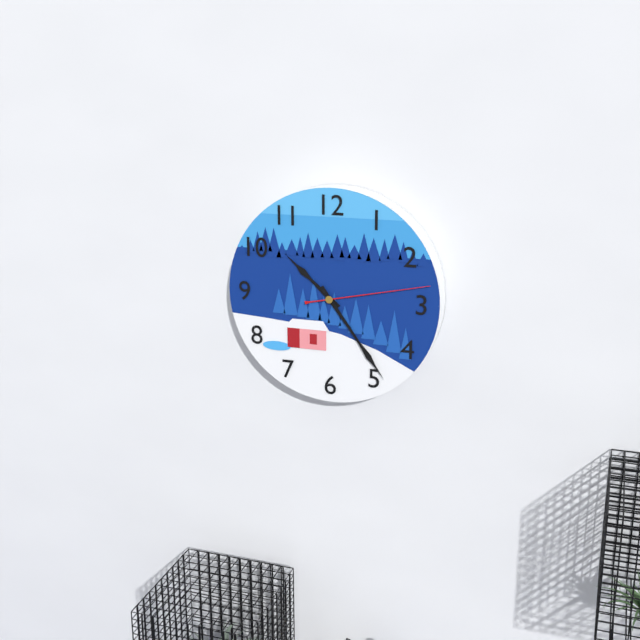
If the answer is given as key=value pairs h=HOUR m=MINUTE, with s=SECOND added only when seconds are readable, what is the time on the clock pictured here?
h=10 m=24 s=13
